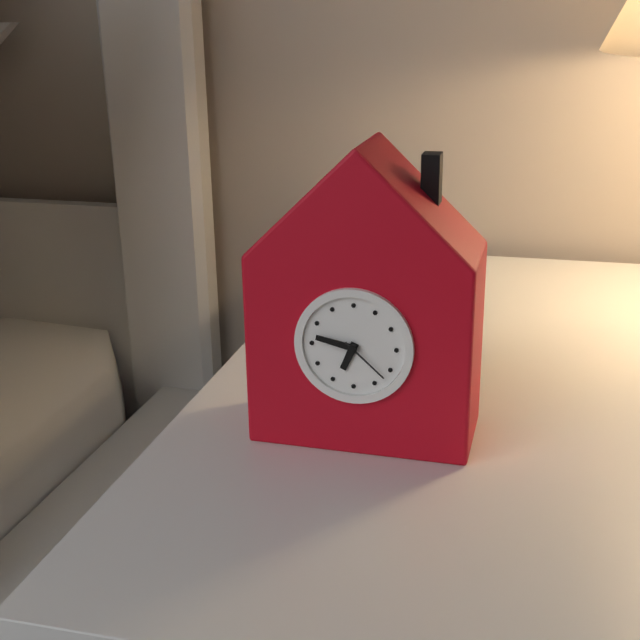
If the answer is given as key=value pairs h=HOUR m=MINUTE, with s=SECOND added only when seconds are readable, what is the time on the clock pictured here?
h=6 m=47 s=22
